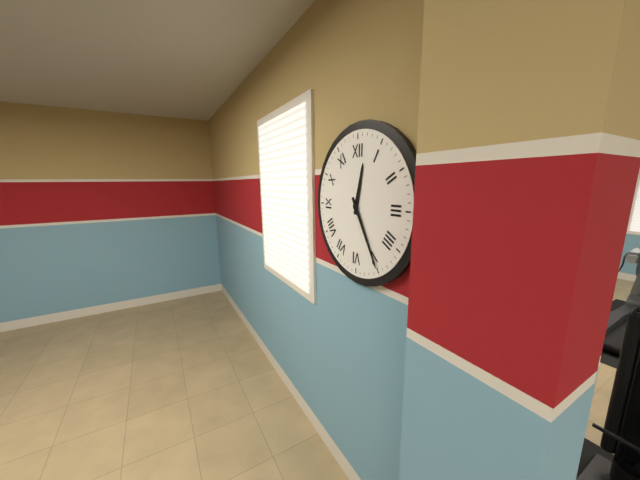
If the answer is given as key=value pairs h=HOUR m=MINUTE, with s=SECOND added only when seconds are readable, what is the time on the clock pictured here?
h=12 m=25
